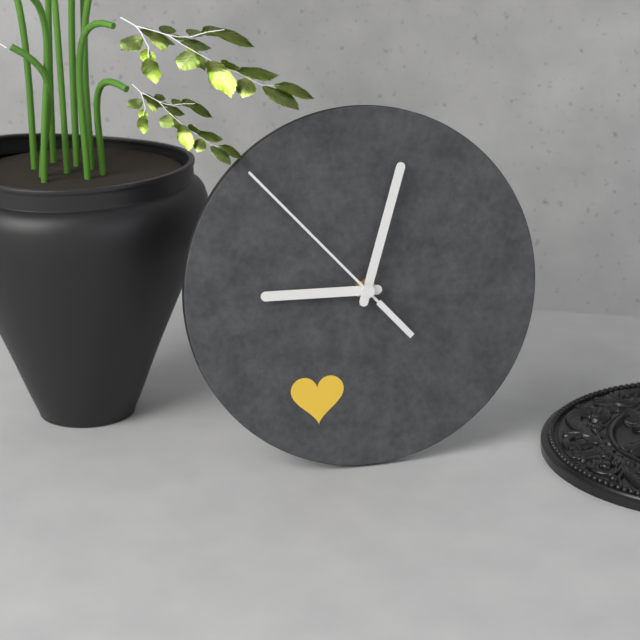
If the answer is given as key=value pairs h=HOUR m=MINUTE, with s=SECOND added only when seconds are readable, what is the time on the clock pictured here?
h=9 m=3 s=53
